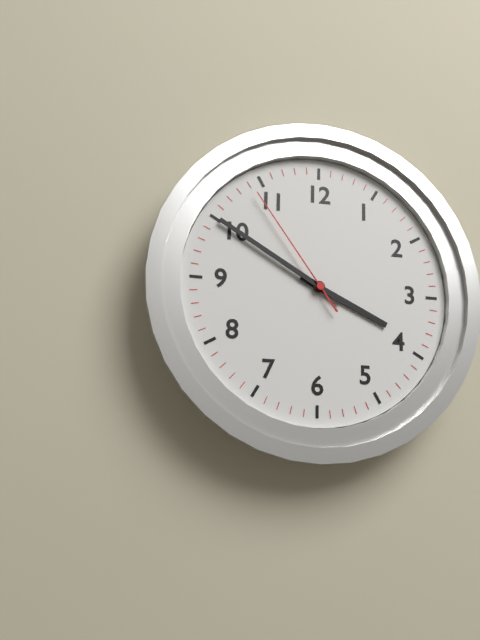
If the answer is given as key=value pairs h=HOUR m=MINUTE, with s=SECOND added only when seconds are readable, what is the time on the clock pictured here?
h=3 m=50 s=54
